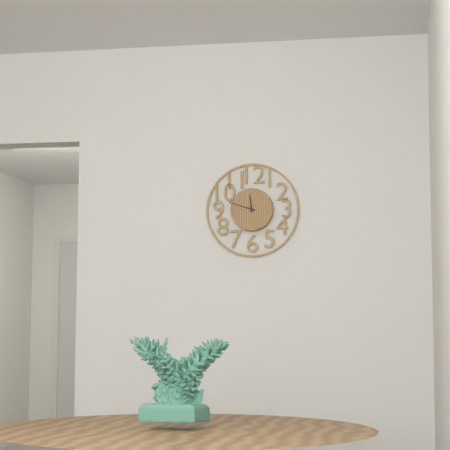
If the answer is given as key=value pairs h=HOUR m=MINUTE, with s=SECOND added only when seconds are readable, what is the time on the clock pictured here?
h=11 m=48
